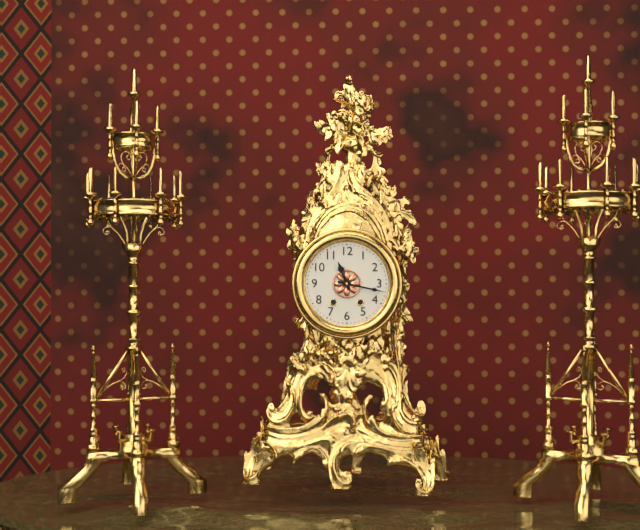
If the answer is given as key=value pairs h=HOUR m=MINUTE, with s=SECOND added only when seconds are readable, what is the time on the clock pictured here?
h=11 m=17
